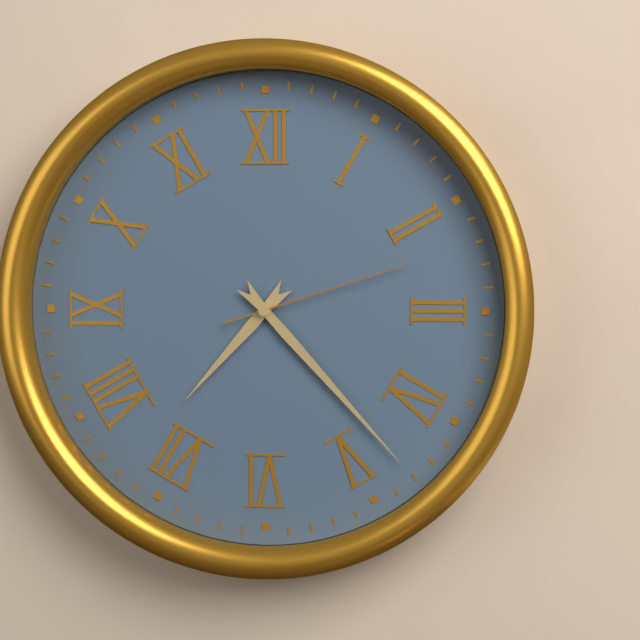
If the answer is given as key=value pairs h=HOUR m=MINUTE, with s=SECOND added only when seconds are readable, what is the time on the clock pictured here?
h=7 m=23 s=12
